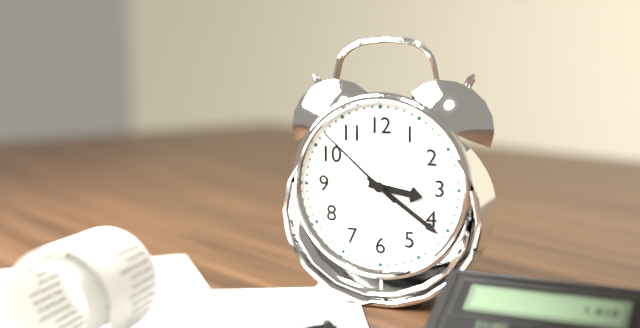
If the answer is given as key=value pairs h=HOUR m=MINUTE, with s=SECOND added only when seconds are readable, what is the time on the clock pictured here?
h=3 m=21 s=52
